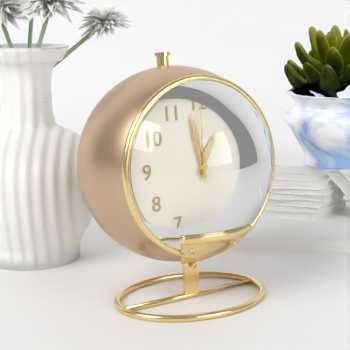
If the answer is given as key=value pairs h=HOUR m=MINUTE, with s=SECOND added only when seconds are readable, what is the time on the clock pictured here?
h=12 m=58 s=0
